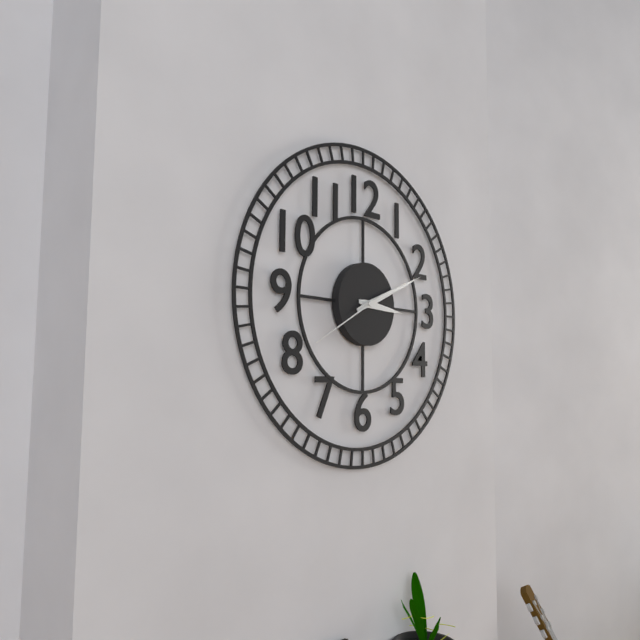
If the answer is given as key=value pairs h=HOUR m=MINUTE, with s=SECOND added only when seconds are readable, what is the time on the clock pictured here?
h=3 m=11 s=40
